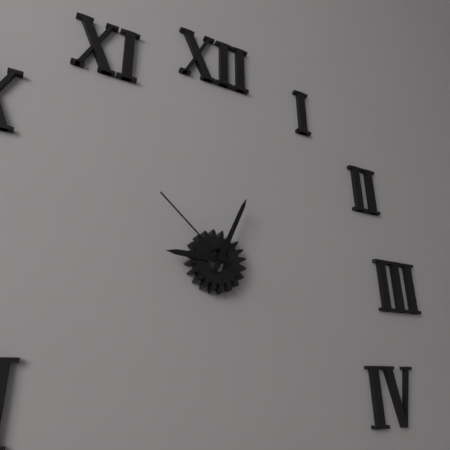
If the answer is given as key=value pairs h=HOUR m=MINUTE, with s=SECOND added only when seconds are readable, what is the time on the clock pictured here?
h=9 m=4 s=52
